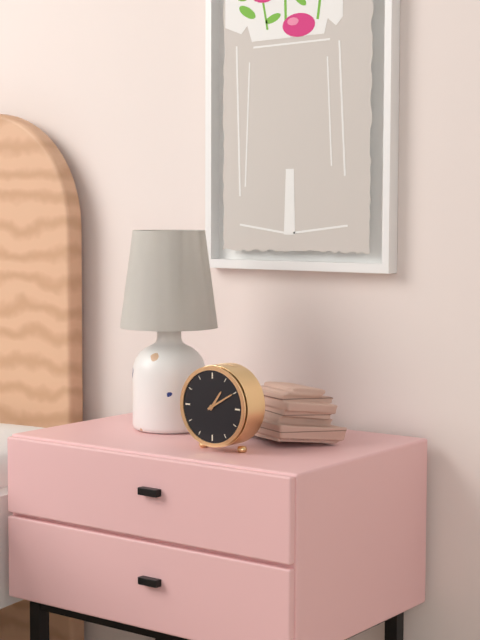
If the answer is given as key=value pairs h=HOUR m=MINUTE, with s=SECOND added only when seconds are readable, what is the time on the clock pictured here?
h=1 m=10
